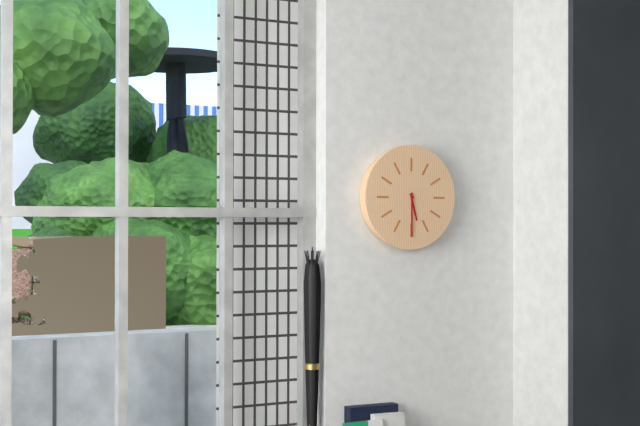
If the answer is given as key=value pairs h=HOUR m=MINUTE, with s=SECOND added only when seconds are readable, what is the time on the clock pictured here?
h=5 m=30
